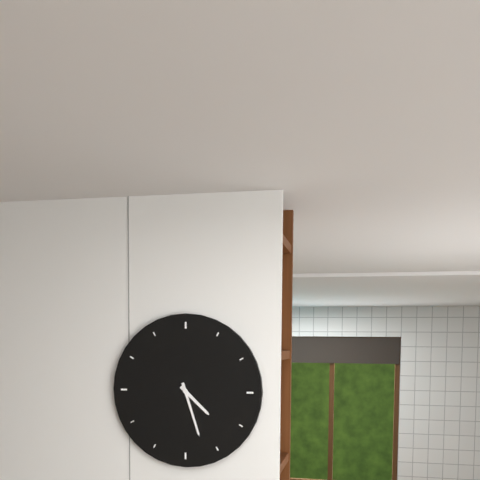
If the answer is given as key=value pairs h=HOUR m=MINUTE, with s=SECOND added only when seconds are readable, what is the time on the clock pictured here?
h=4 m=27
